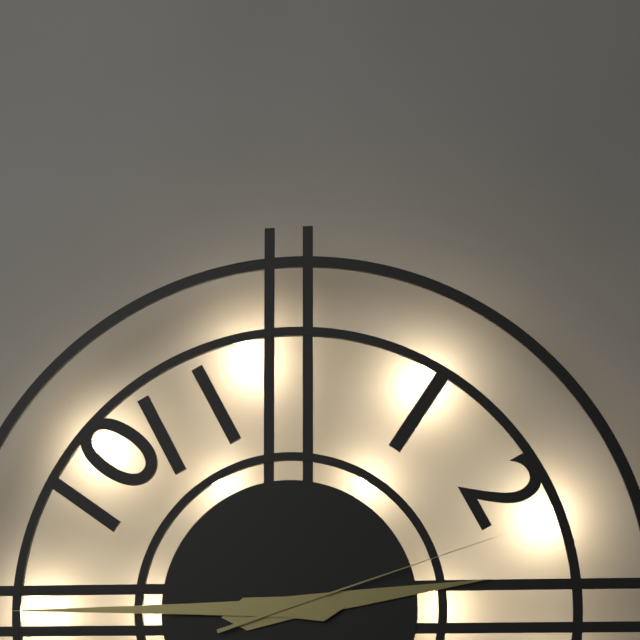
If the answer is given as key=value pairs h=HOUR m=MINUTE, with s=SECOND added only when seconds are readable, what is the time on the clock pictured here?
h=2 m=45 s=12
